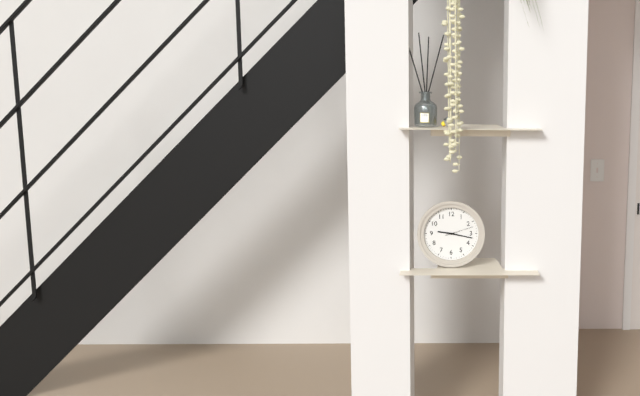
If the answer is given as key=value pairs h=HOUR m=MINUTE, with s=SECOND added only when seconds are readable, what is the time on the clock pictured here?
h=9 m=17
